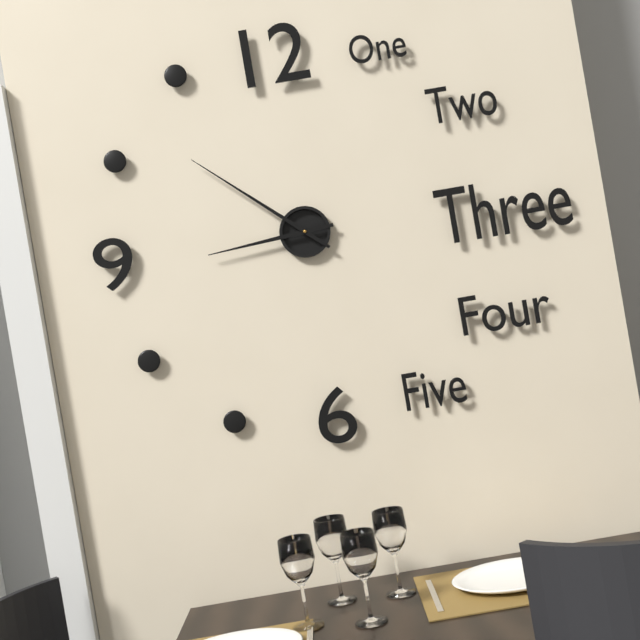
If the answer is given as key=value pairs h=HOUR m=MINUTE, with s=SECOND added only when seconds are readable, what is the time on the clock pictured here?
h=8 m=52
